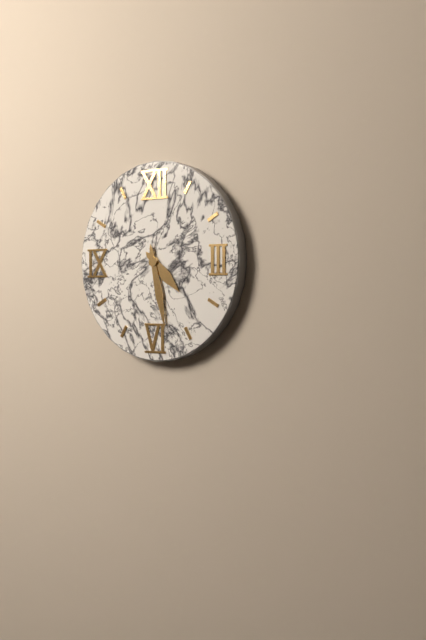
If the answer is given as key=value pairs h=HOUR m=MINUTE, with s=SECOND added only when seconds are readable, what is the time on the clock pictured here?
h=4 m=28
